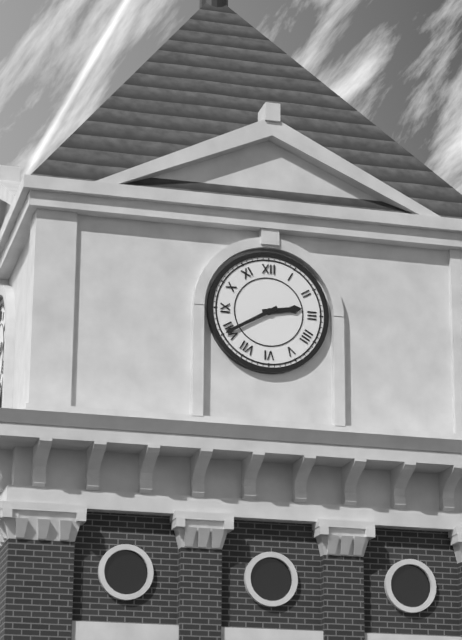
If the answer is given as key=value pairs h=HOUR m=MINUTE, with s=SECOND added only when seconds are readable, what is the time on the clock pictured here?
h=2 m=40
